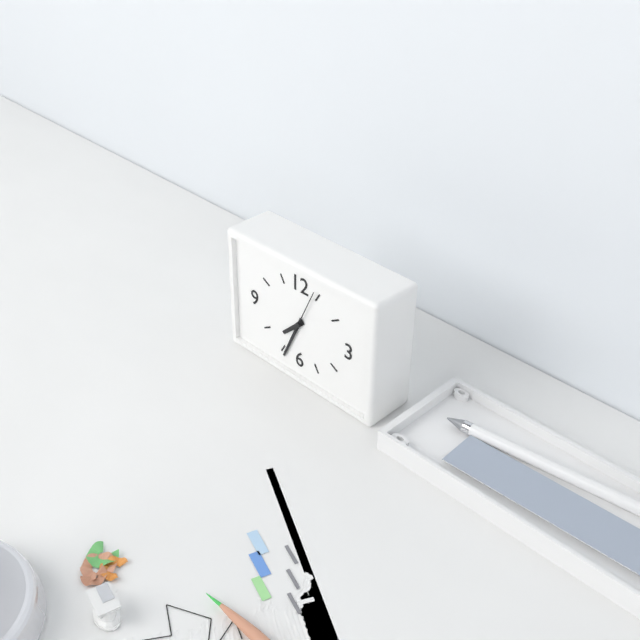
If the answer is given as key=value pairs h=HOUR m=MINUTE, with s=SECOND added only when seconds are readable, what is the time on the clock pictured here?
h=7 m=34
